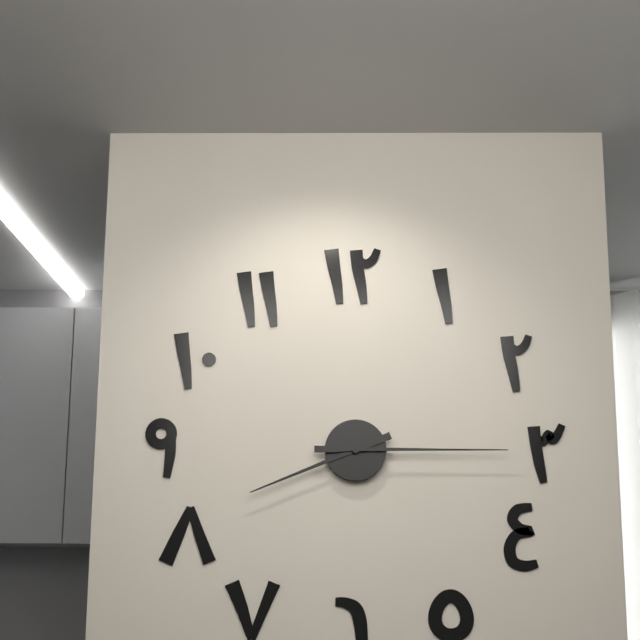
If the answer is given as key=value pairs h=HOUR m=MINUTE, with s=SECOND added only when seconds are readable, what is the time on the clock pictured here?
h=8 m=15
